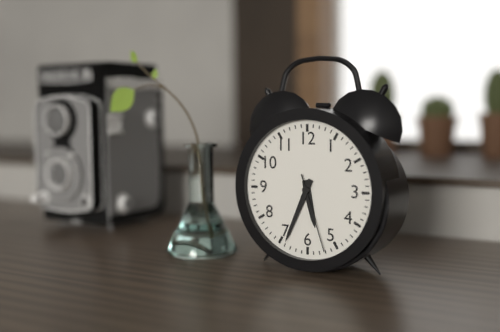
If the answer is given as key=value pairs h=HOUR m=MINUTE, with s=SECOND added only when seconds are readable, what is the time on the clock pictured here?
h=5 m=34 s=27
